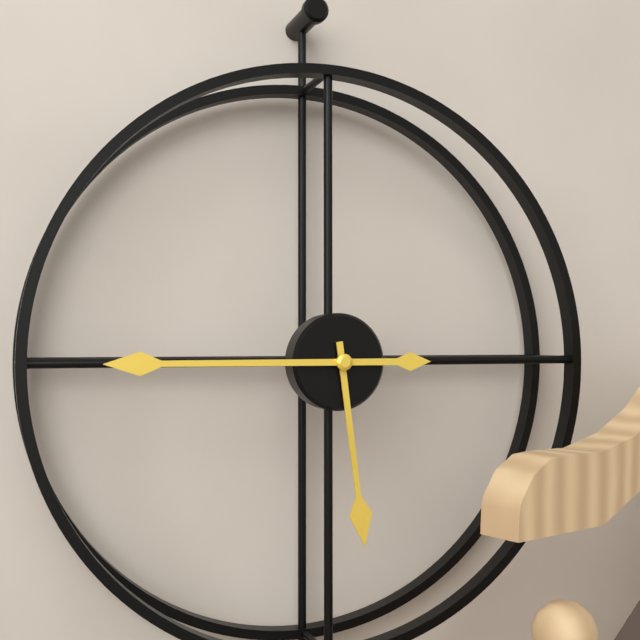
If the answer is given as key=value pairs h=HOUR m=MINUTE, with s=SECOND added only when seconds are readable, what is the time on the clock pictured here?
h=5 m=45
